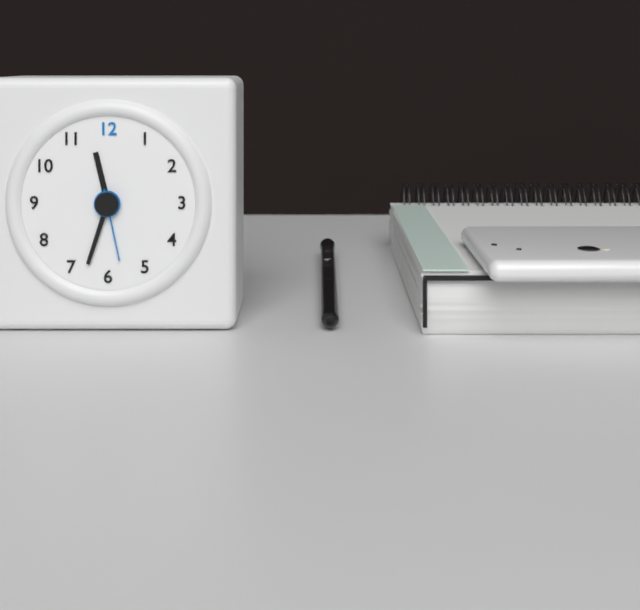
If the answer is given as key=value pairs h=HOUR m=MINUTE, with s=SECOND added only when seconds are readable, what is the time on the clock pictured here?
h=11 m=33 s=28
